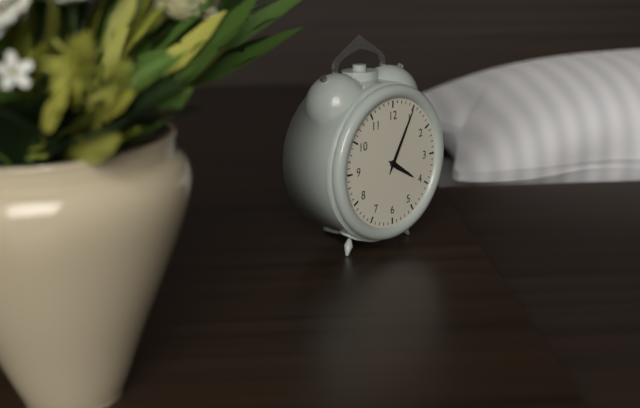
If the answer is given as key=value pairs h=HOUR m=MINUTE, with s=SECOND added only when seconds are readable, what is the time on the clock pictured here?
h=4 m=5
